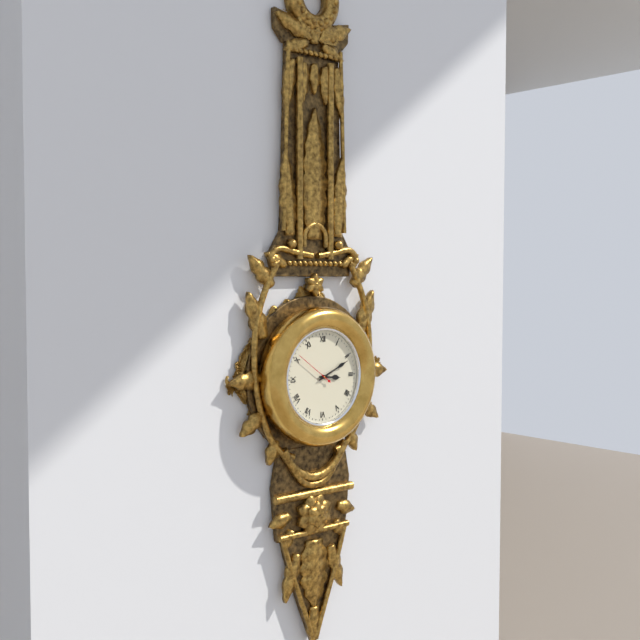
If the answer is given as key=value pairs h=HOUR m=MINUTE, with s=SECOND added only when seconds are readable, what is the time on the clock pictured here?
h=3 m=11
